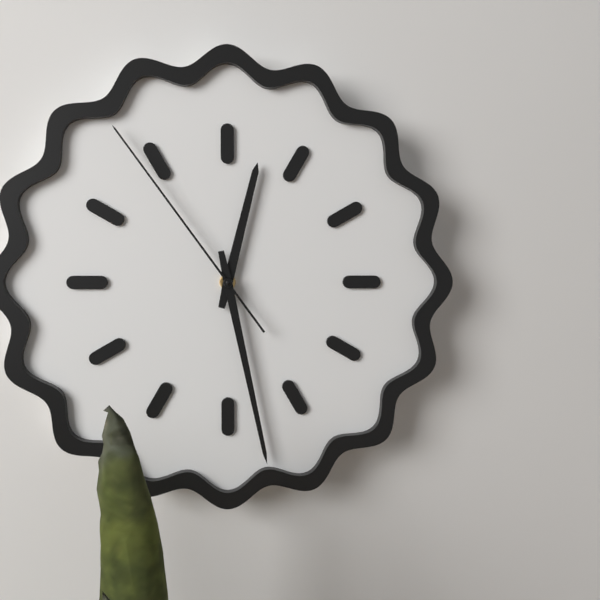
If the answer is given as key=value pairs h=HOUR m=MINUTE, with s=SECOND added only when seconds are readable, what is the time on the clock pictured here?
h=12 m=28 s=54
